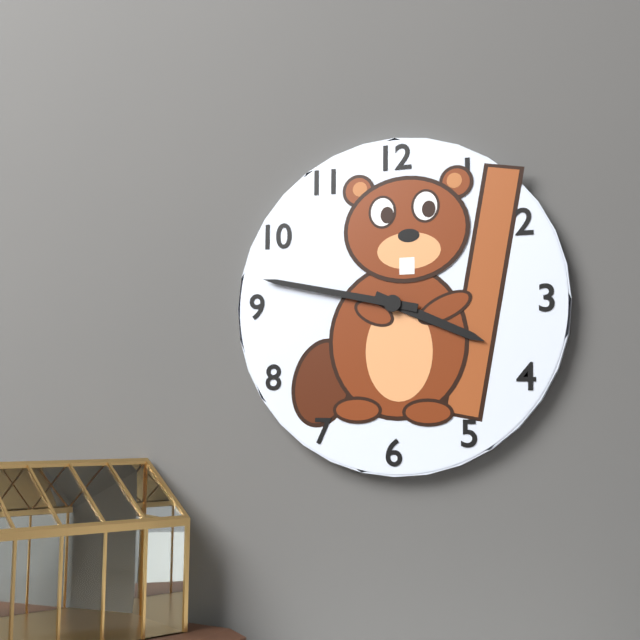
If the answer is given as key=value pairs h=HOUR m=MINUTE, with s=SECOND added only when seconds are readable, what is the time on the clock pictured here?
h=3 m=47
